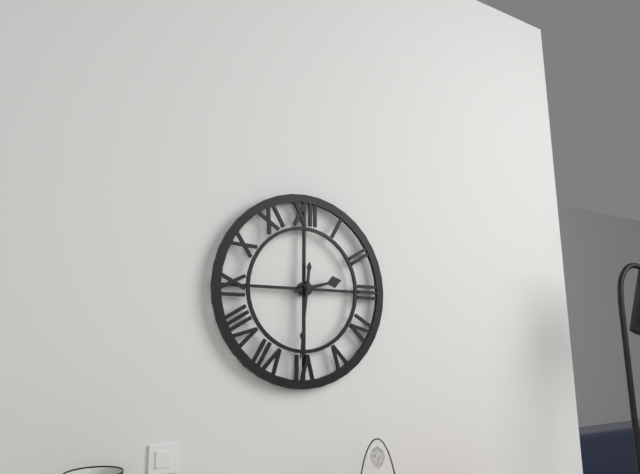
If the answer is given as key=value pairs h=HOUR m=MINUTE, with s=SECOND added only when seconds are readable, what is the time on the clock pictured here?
h=2 m=31
